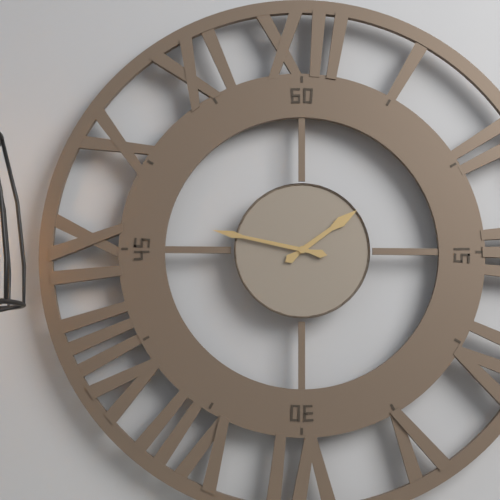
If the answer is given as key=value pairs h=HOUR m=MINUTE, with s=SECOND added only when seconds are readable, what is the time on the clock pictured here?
h=1 m=47
